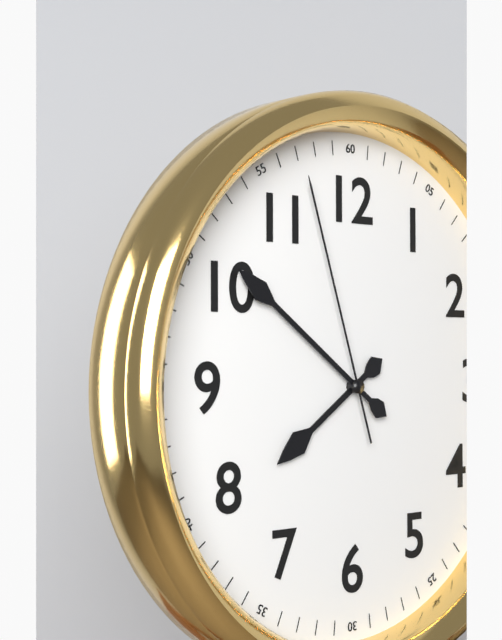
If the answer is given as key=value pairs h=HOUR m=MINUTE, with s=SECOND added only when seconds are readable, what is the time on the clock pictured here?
h=7 m=51 s=57
